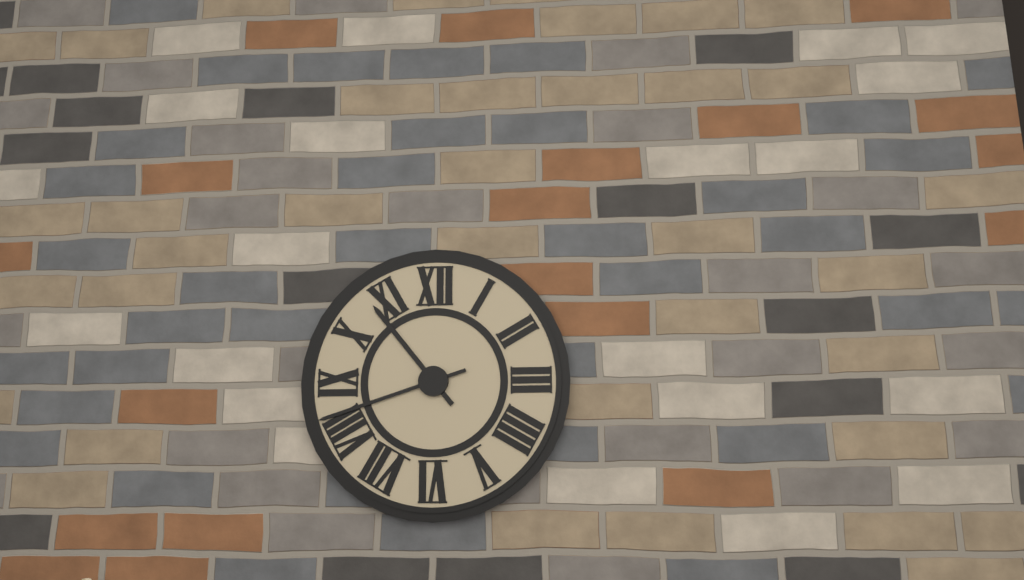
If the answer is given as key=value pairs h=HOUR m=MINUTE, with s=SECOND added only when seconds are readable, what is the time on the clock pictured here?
h=10 m=42
